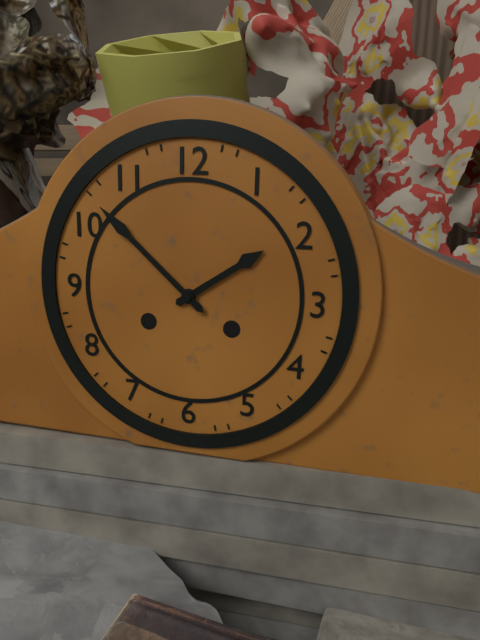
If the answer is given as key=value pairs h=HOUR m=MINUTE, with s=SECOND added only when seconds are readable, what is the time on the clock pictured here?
h=1 m=52
